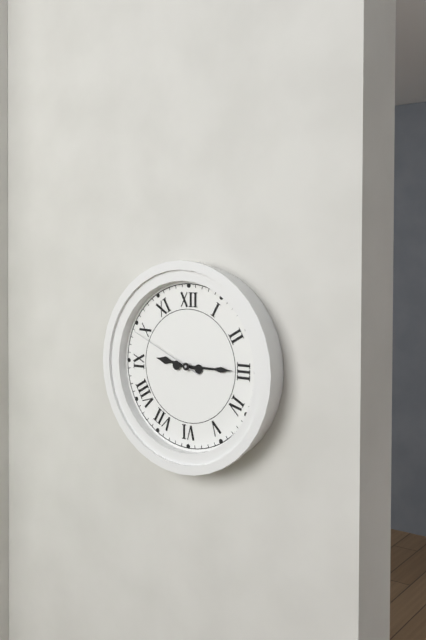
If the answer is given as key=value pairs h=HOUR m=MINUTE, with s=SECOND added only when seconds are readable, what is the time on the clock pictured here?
h=9 m=15 s=49
